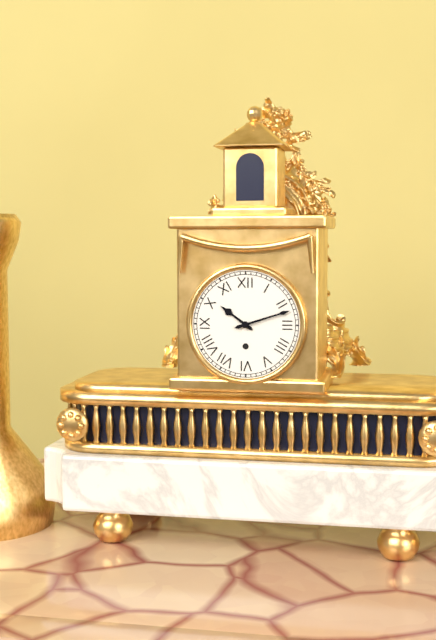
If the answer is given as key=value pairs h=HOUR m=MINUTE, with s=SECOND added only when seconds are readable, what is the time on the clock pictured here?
h=10 m=12
